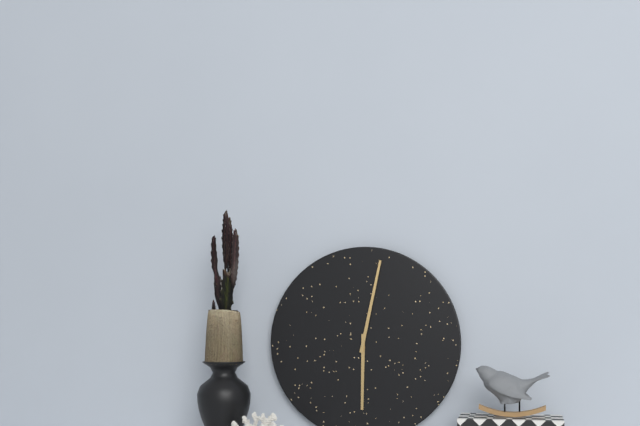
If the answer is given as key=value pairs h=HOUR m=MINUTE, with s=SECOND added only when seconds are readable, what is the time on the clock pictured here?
h=6 m=2
